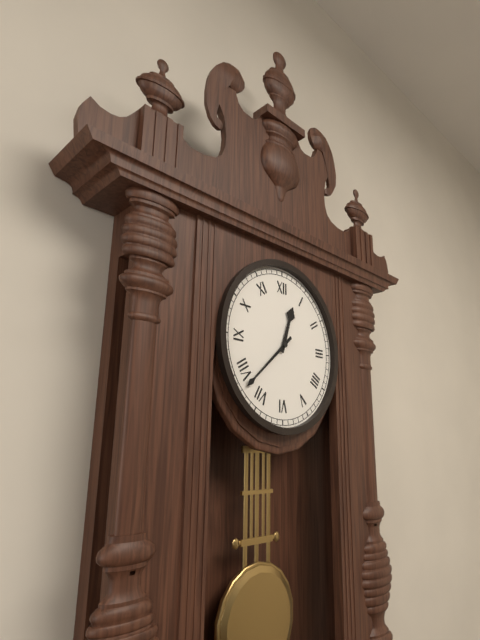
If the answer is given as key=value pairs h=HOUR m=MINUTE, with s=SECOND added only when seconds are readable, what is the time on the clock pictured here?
h=12 m=38
